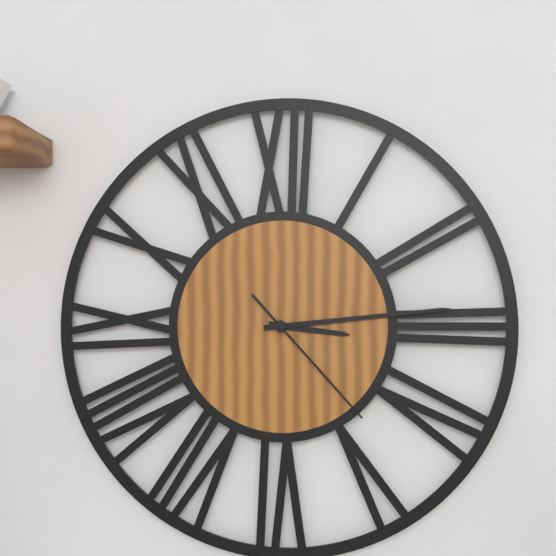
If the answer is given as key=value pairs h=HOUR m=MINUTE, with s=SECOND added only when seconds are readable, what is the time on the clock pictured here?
h=3 m=14 s=23
